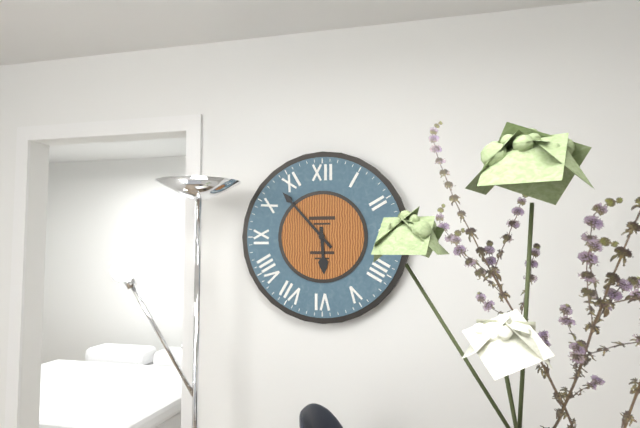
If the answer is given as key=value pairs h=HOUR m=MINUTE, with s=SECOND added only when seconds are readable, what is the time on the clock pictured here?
h=5 m=53
